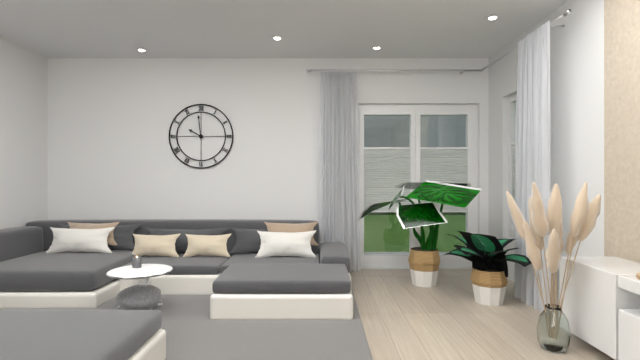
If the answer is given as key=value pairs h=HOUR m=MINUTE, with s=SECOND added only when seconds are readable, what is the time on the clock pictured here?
h=9 m=59
